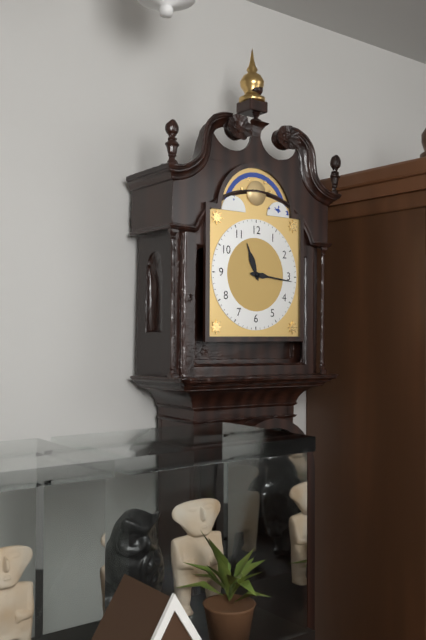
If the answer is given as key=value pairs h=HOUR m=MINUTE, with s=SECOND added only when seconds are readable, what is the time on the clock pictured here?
h=11 m=16
